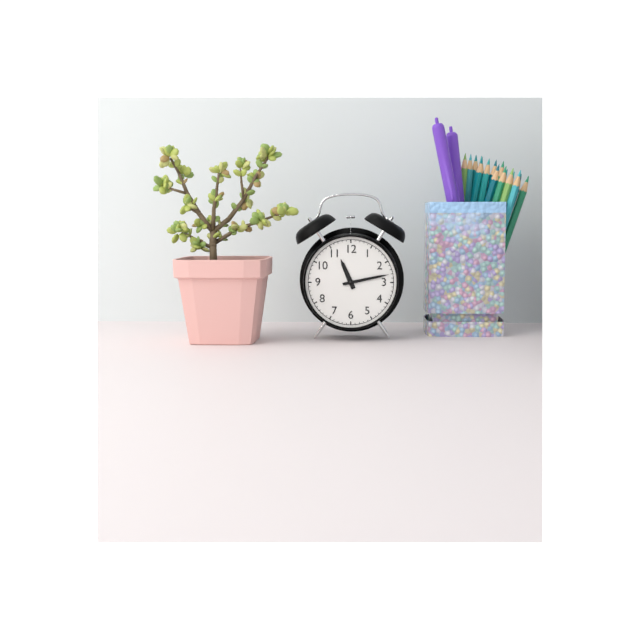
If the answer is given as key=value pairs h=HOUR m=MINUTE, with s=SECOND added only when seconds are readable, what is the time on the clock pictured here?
h=11 m=13
